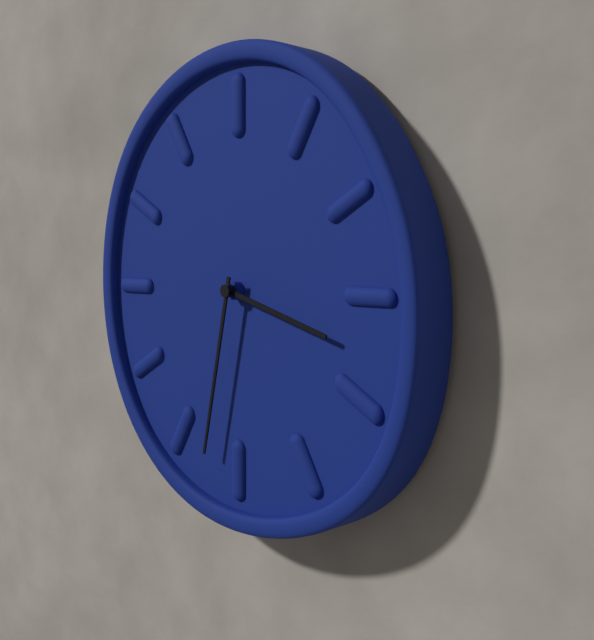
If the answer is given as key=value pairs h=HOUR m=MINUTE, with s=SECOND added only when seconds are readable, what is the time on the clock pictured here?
h=3 m=32
